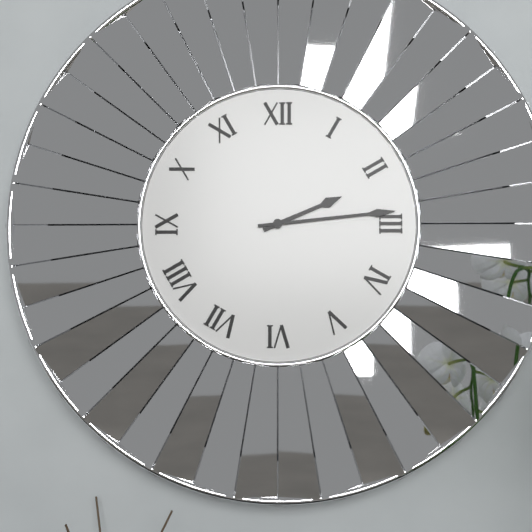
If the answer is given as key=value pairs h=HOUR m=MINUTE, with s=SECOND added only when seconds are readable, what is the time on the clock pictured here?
h=2 m=14
